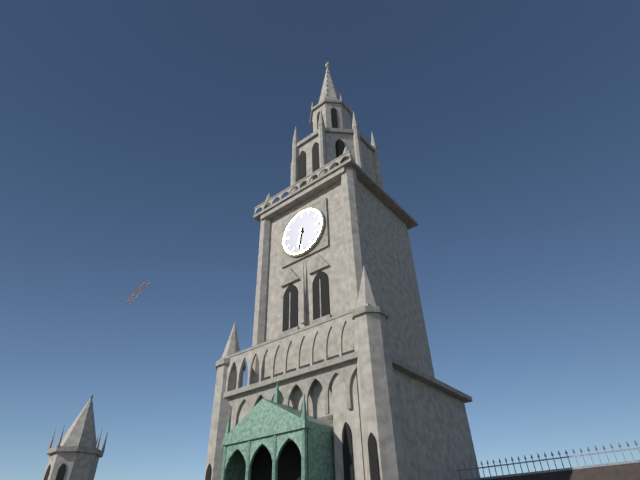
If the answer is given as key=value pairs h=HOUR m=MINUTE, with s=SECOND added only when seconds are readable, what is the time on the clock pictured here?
h=6 m=32
